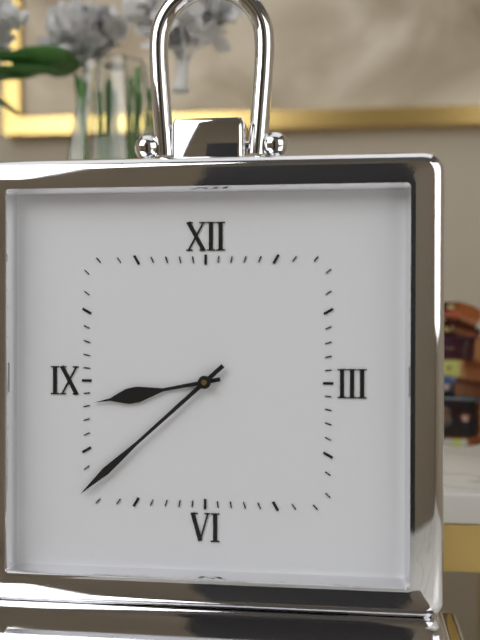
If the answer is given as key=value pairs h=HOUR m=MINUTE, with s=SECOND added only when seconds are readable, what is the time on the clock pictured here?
h=8 m=38
